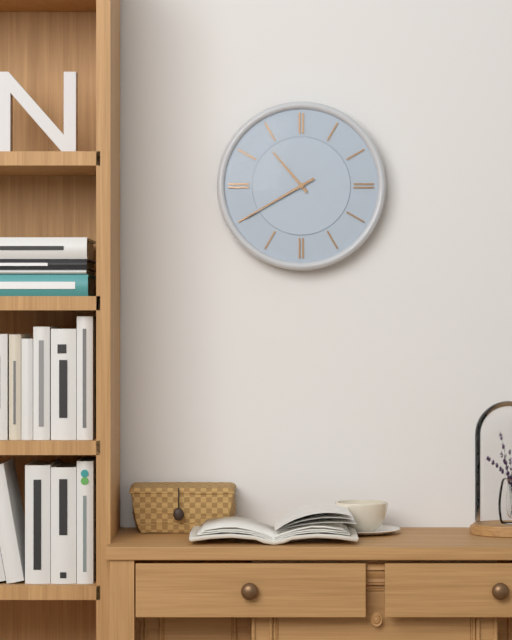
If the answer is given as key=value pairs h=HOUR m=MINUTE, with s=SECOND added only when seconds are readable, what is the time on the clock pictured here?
h=10 m=40
